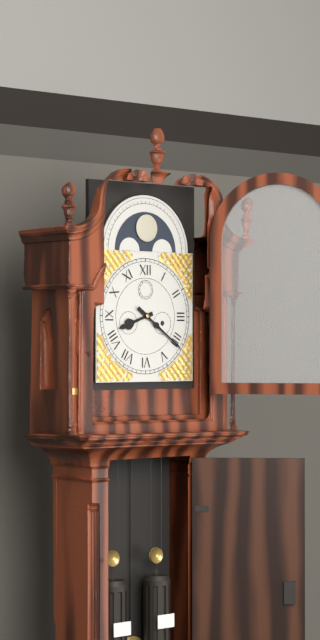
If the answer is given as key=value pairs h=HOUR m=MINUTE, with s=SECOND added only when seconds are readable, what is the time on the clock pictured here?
h=8 m=21
